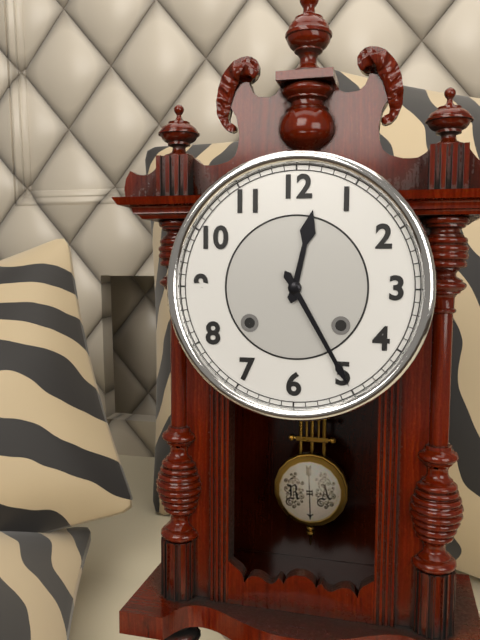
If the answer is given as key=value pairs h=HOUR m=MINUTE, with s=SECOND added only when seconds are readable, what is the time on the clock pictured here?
h=12 m=25
